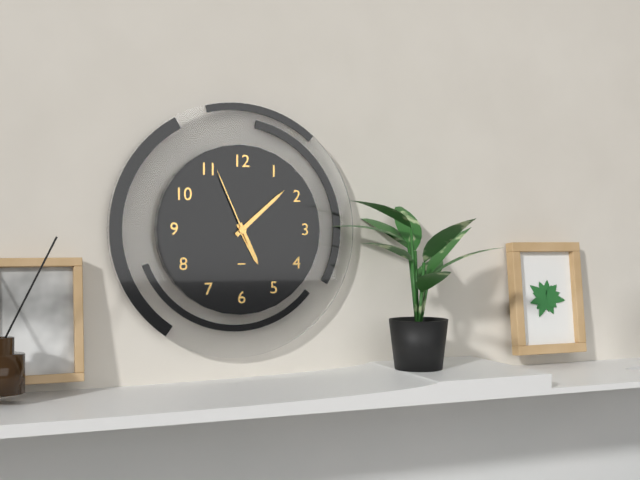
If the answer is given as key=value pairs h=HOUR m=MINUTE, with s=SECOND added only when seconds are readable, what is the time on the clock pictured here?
h=5 m=8 s=56
